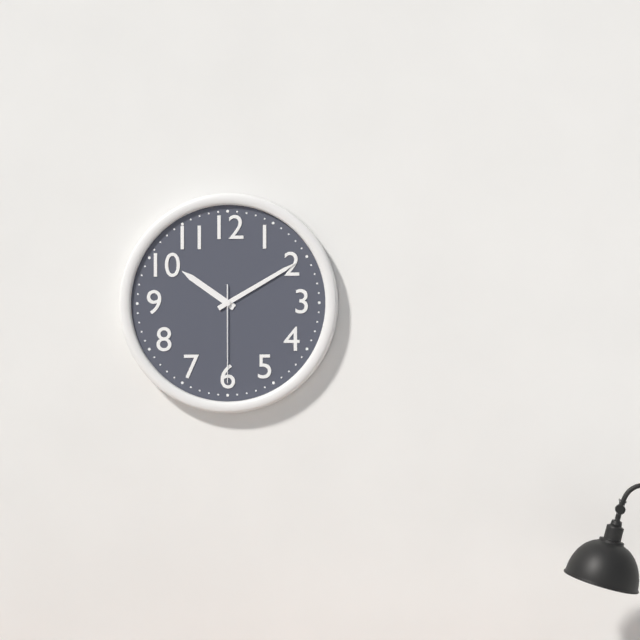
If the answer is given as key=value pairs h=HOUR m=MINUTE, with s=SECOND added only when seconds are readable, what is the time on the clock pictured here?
h=10 m=10 s=30
